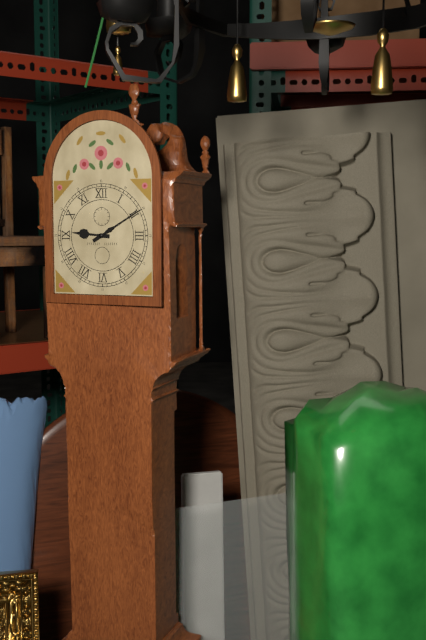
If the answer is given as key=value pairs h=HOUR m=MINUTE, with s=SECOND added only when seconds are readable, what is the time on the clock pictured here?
h=9 m=10
